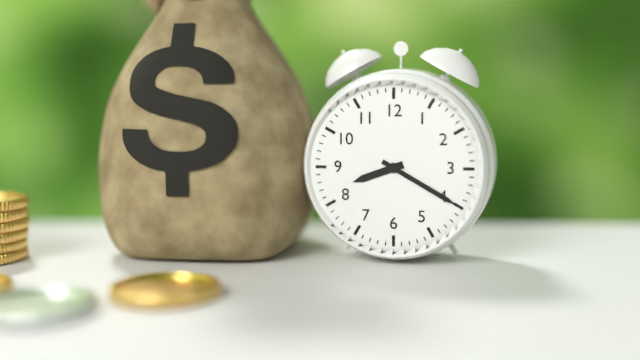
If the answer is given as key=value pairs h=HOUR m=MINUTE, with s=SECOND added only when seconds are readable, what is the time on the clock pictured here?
h=8 m=20
